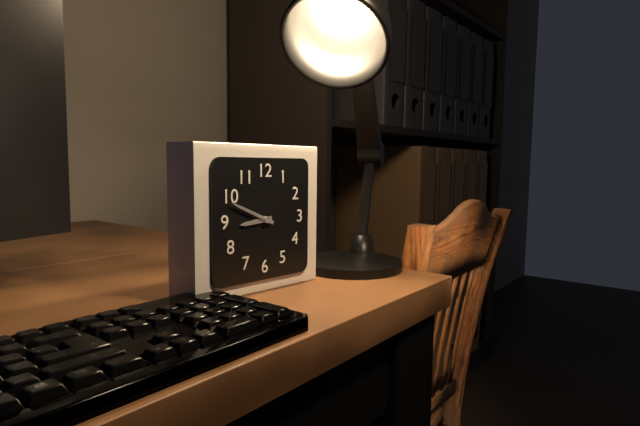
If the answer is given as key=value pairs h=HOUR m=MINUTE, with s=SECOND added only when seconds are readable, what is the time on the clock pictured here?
h=8 m=49
